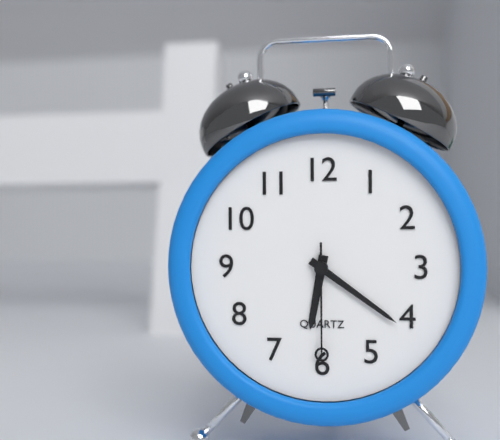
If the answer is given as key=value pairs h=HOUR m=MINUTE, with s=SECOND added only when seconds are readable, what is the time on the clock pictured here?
h=6 m=21 s=30
